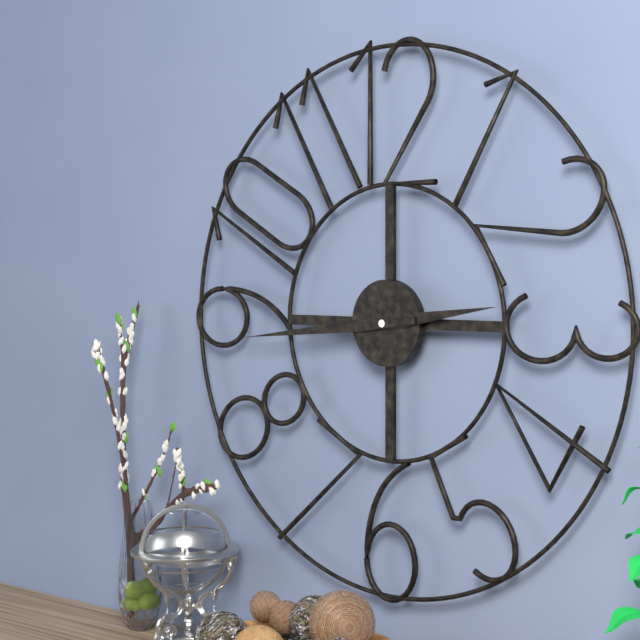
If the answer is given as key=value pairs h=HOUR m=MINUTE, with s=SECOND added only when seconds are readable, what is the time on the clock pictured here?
h=2 m=44
